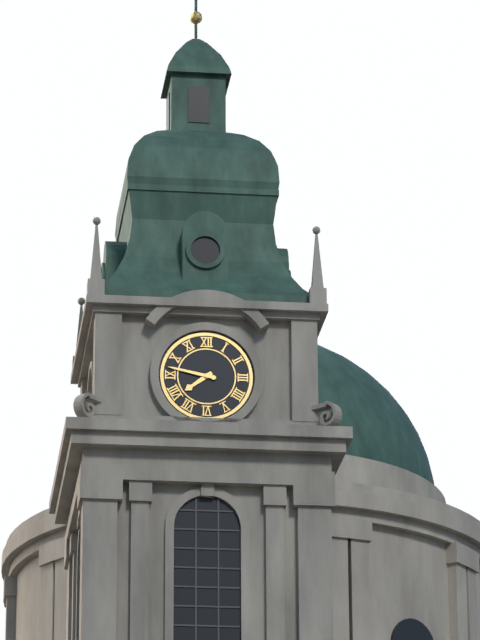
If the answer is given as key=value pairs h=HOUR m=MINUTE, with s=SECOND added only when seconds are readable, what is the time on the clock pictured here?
h=7 m=47
